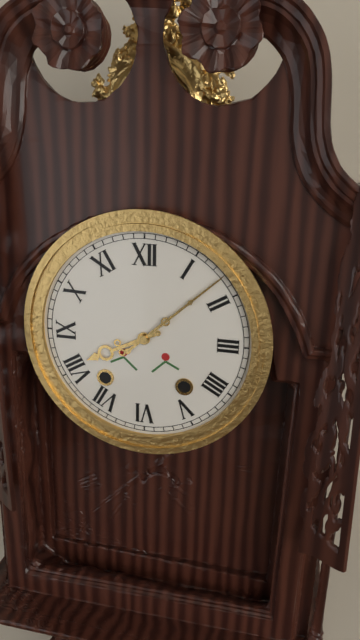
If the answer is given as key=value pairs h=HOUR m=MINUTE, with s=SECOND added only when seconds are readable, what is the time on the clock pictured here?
h=8 m=8
